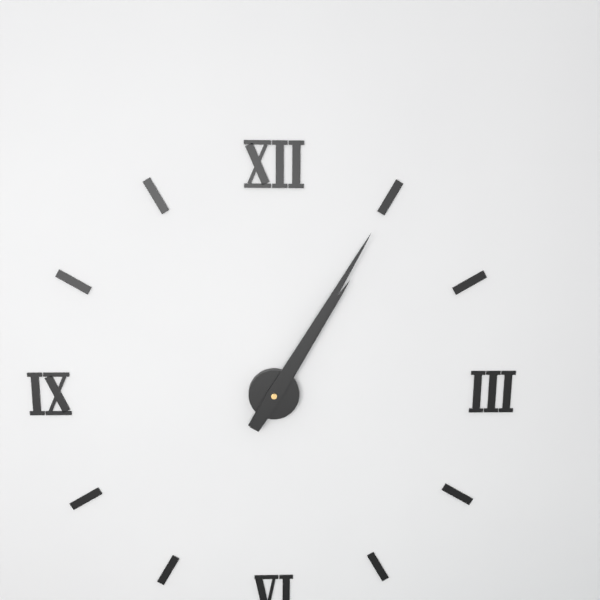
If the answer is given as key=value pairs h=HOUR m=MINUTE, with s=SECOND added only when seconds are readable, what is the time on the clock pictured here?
h=1 m=5
